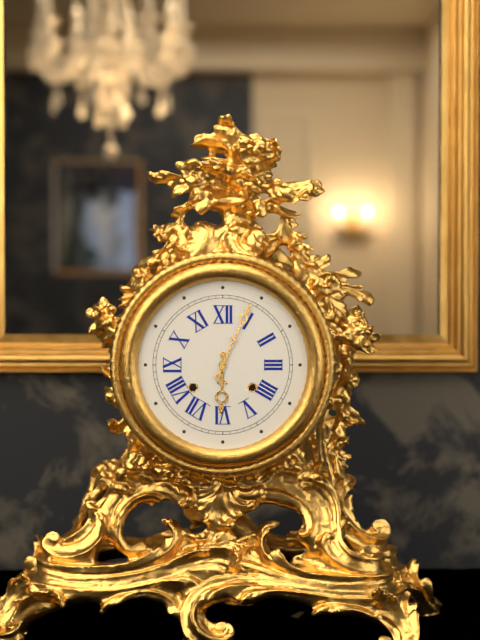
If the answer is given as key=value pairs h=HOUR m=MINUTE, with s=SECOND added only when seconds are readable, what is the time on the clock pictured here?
h=6 m=4
